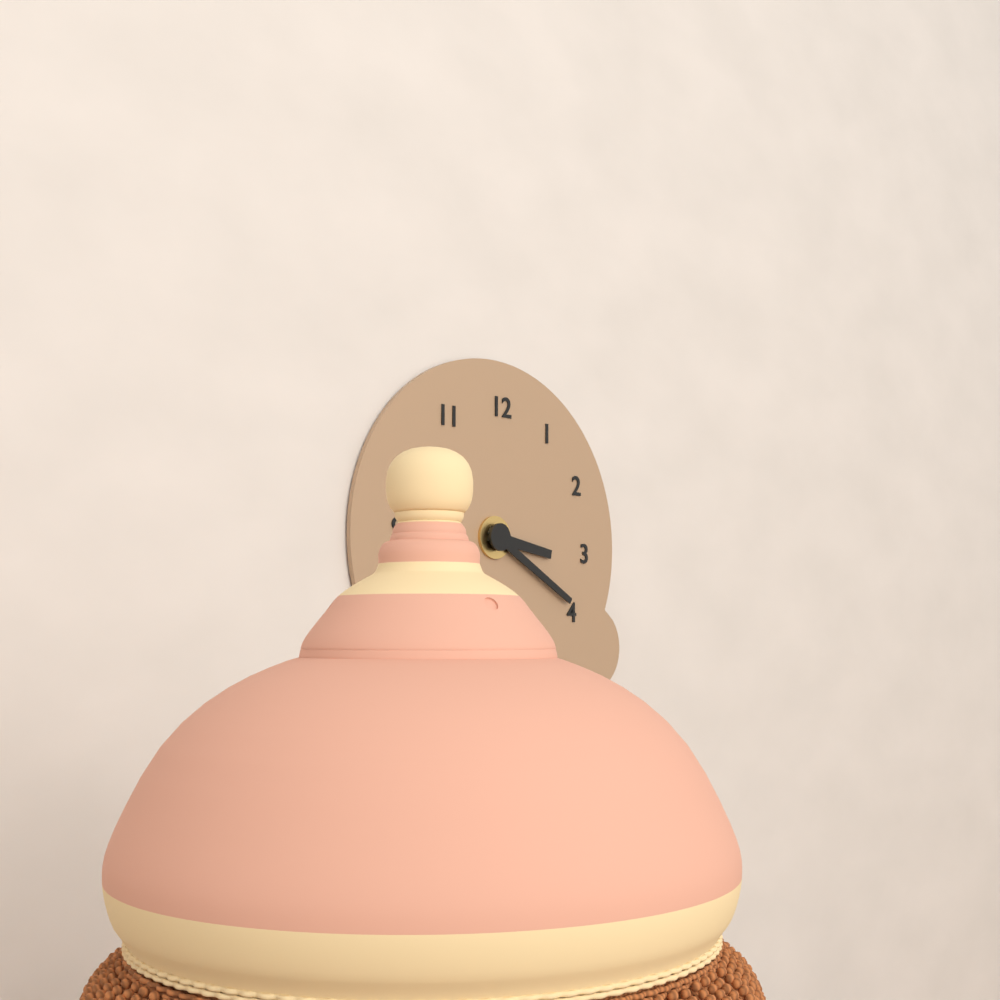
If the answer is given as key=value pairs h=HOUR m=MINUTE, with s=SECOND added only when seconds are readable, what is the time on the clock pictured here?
h=3 m=20
